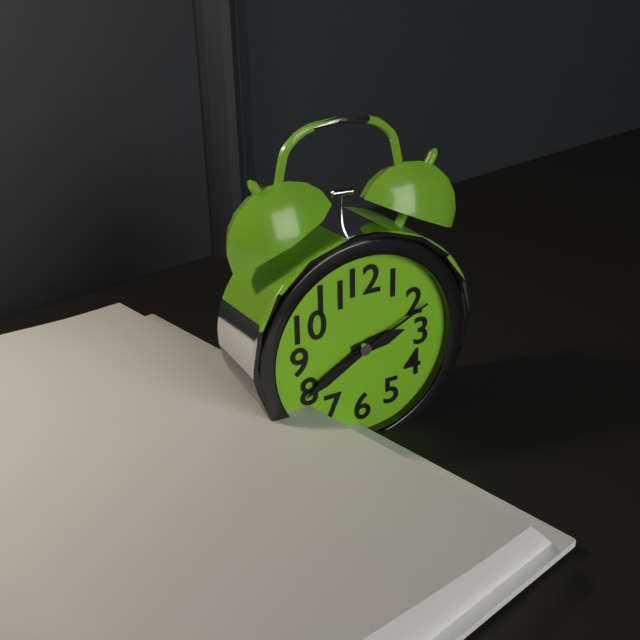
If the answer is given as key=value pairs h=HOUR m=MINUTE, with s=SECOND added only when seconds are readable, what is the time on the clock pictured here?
h=2 m=40 s=11
